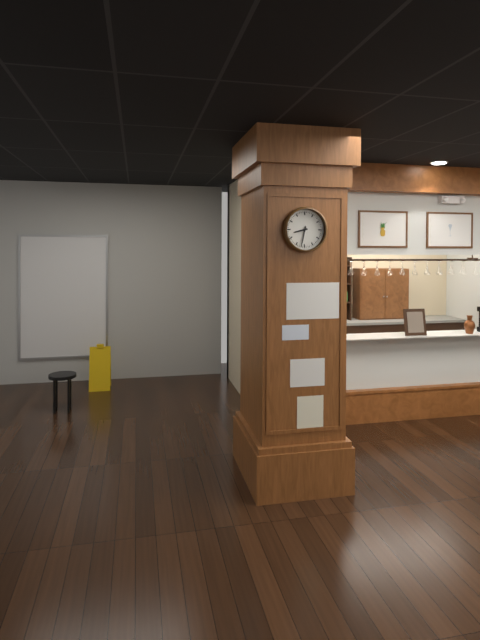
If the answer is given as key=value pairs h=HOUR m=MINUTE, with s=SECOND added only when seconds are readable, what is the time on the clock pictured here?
h=8 m=32
